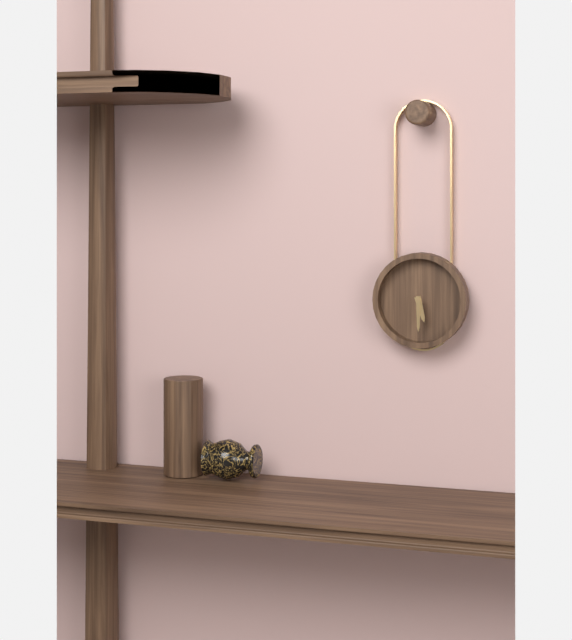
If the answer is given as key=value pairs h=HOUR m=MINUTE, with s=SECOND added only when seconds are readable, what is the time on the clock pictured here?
h=5 m=30
